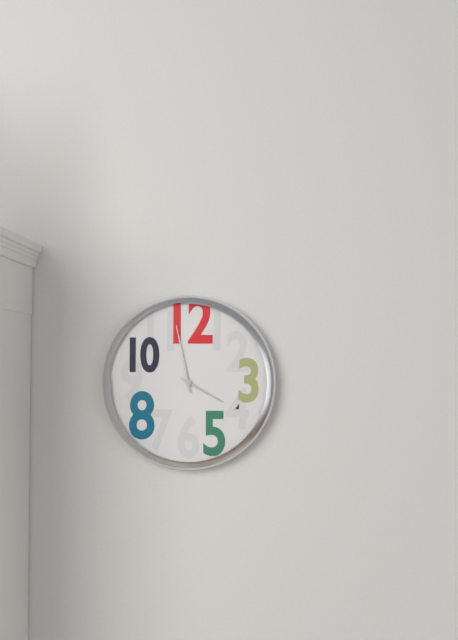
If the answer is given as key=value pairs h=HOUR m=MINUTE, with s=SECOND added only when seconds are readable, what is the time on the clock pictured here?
h=3 m=58
